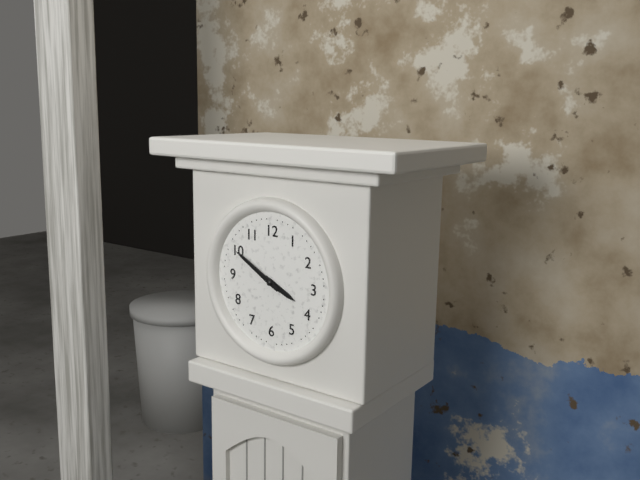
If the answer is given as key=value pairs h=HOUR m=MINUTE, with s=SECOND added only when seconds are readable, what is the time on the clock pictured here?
h=3 m=50
